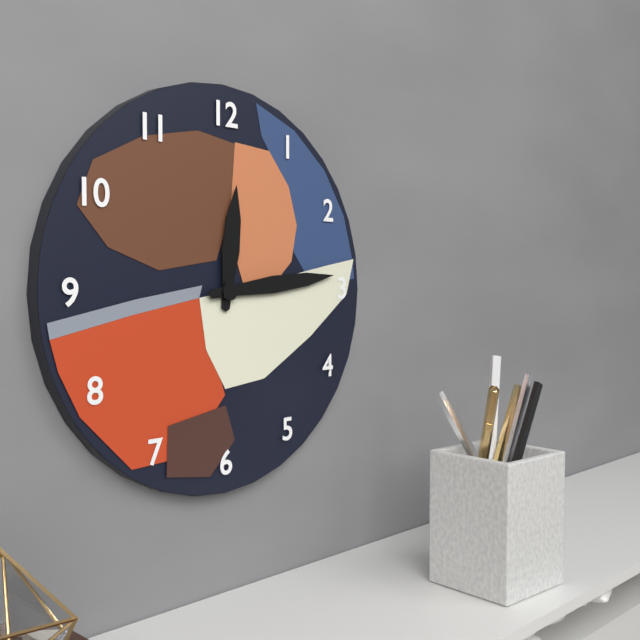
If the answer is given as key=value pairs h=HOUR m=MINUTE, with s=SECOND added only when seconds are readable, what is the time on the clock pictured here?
h=12 m=14
